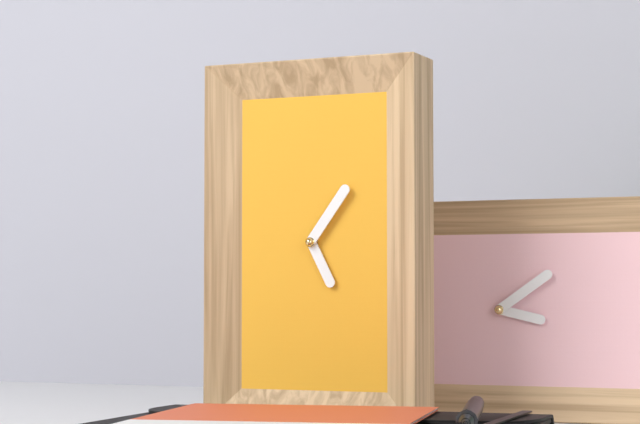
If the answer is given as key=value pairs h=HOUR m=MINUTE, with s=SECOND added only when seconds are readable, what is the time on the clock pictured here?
h=5 m=6
